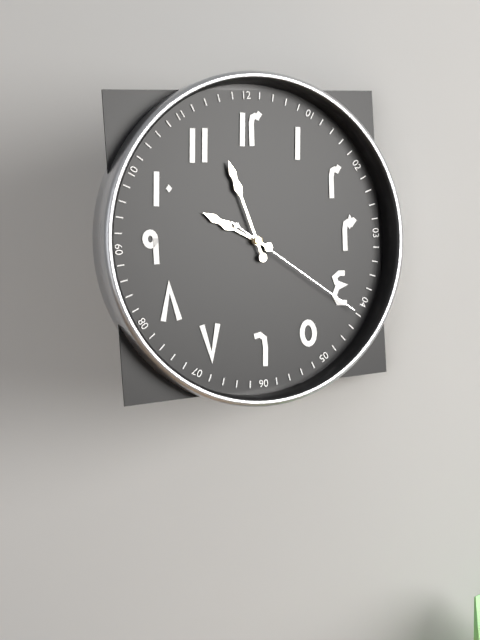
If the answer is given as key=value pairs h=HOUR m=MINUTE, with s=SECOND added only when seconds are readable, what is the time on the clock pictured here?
h=9 m=57 s=21
